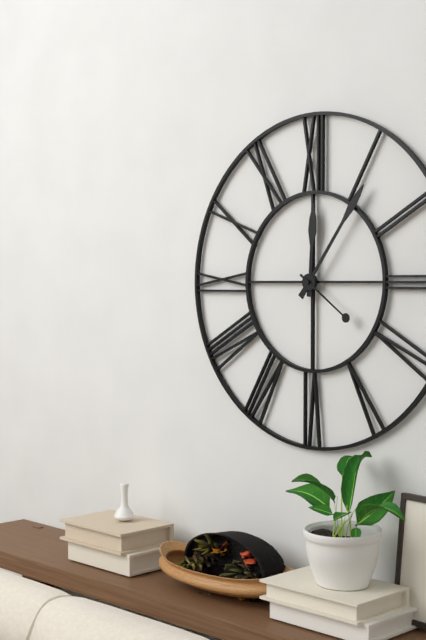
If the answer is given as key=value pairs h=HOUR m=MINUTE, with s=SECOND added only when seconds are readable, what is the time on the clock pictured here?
h=12 m=6 s=21
